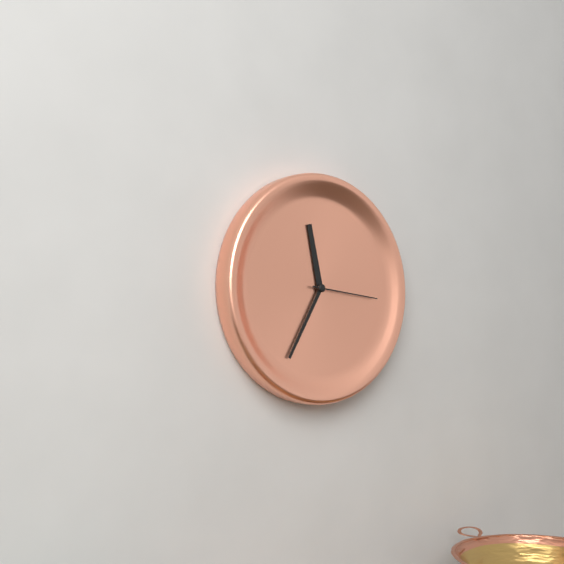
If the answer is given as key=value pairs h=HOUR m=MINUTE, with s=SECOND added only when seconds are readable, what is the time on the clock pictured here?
h=11 m=35 s=16
